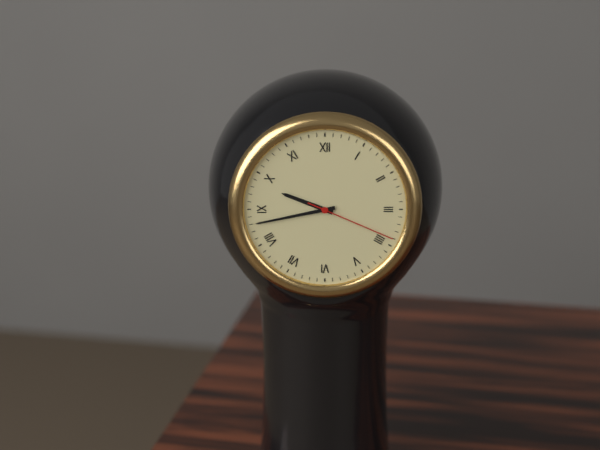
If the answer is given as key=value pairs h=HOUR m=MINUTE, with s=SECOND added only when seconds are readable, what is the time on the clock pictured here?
h=9 m=43 s=19
